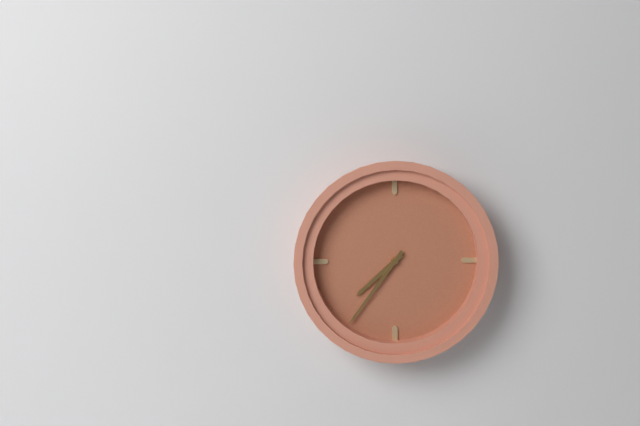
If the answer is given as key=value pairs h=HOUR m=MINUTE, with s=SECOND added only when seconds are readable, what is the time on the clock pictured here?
h=7 m=36
